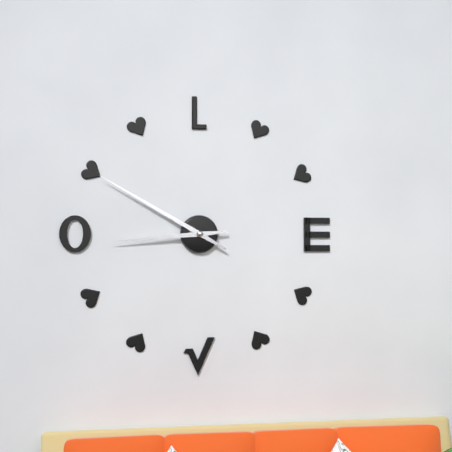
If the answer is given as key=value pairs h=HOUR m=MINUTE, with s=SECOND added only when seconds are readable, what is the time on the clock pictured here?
h=8 m=50
